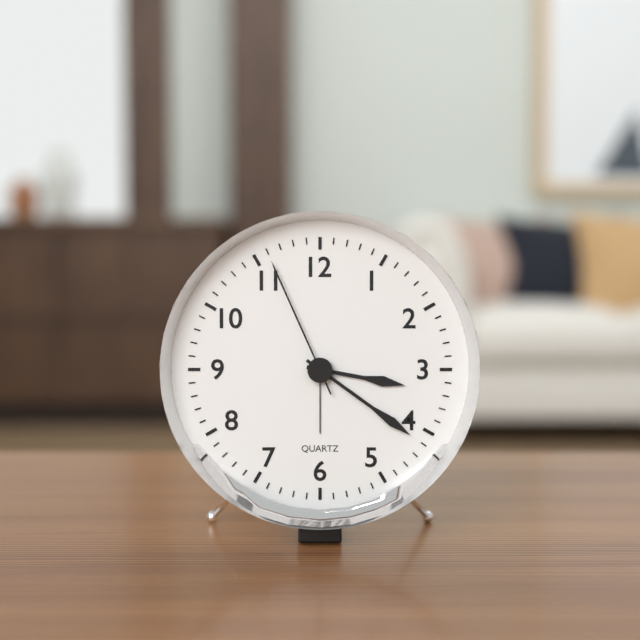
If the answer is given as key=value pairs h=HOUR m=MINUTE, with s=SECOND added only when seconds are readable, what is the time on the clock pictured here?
h=3 m=21 s=56
